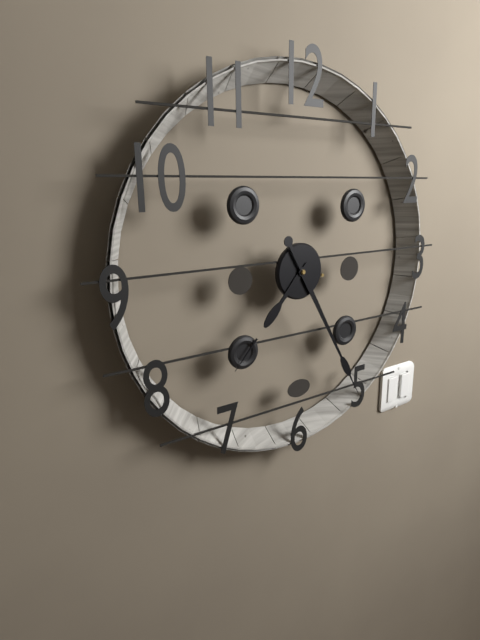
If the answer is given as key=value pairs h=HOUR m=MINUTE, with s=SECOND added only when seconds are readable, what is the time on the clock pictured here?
h=7 m=25
